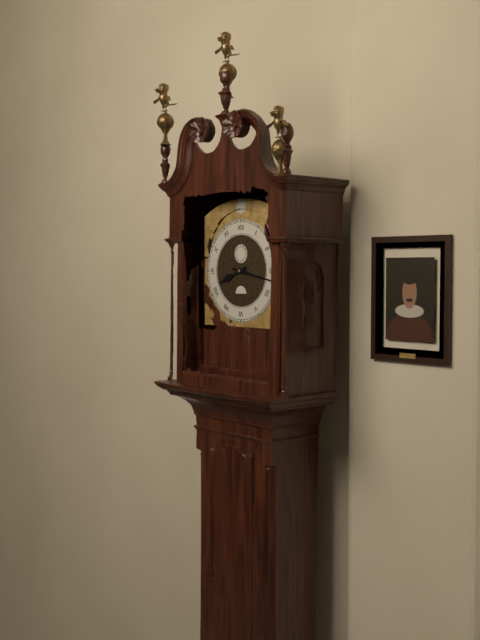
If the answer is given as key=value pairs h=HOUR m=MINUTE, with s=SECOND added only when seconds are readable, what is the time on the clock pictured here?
h=8 m=17
